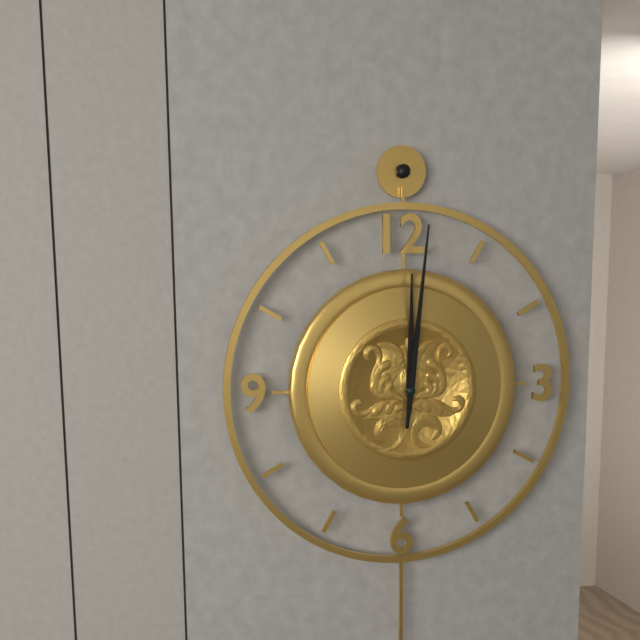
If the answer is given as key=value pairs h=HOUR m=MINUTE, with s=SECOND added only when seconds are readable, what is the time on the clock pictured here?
h=12 m=1
